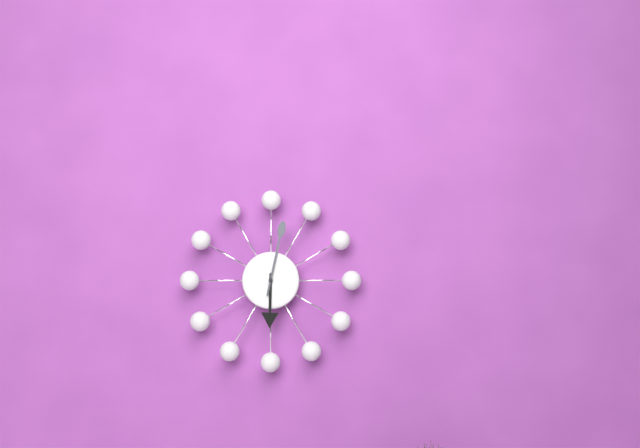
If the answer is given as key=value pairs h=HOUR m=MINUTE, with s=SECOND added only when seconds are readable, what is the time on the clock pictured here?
h=6 m=2
